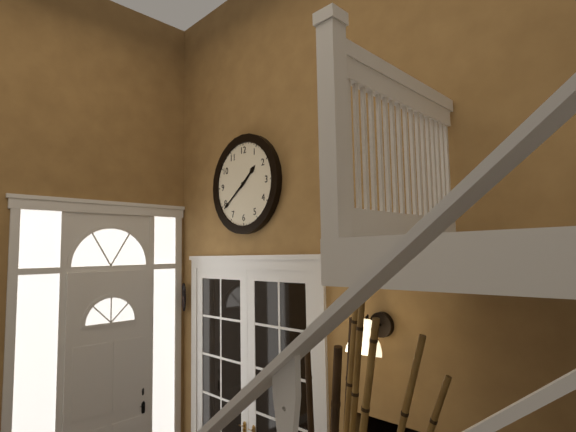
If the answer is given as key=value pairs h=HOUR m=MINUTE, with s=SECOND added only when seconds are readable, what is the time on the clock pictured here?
h=1 m=39
